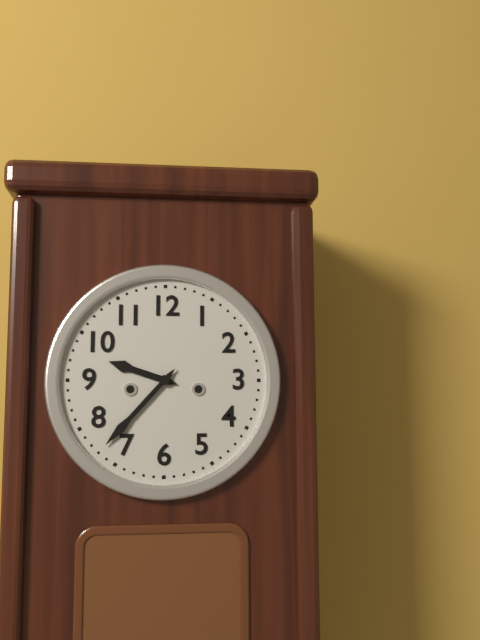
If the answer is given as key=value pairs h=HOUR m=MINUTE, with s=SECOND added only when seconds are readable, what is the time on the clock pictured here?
h=9 m=37
